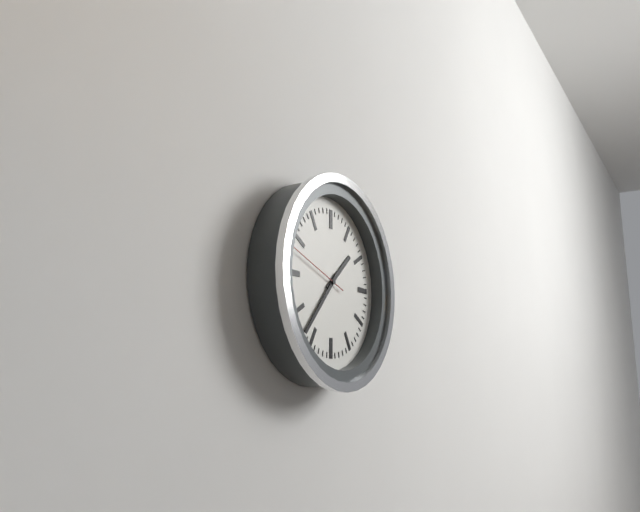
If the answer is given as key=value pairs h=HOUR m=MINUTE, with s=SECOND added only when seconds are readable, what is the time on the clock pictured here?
h=1 m=37 s=48
